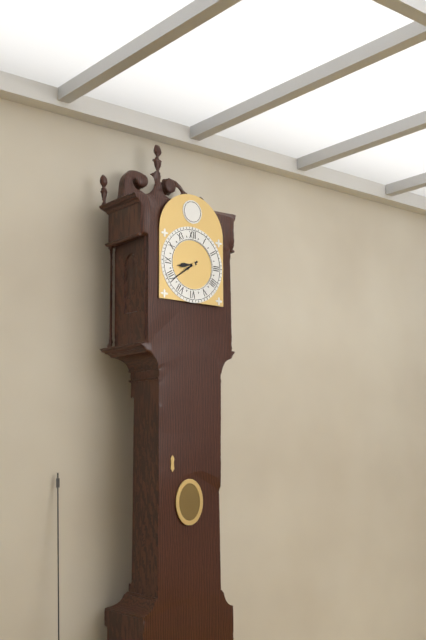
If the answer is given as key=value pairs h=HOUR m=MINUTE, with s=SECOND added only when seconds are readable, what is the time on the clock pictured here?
h=8 m=39
